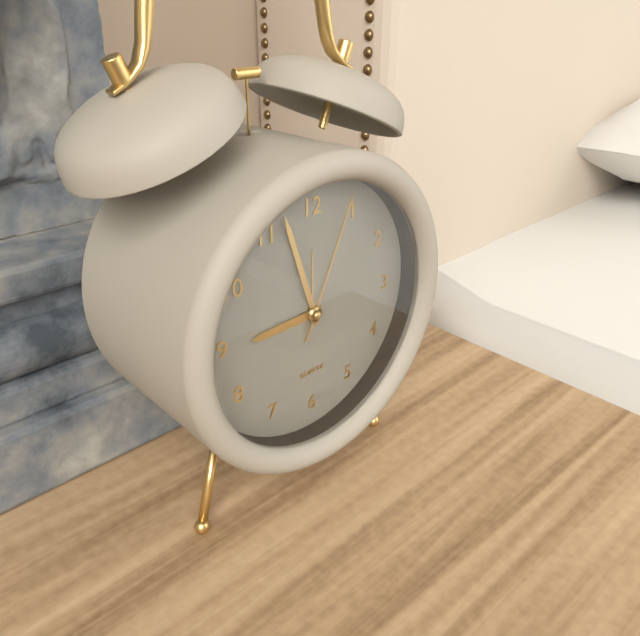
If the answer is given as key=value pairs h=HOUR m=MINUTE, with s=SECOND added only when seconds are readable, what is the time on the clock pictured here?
h=8 m=57 s=4
